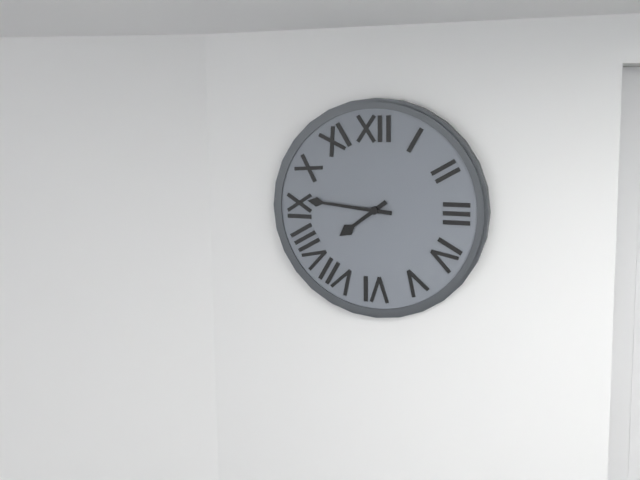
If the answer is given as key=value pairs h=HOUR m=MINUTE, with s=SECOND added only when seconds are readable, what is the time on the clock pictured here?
h=7 m=46
